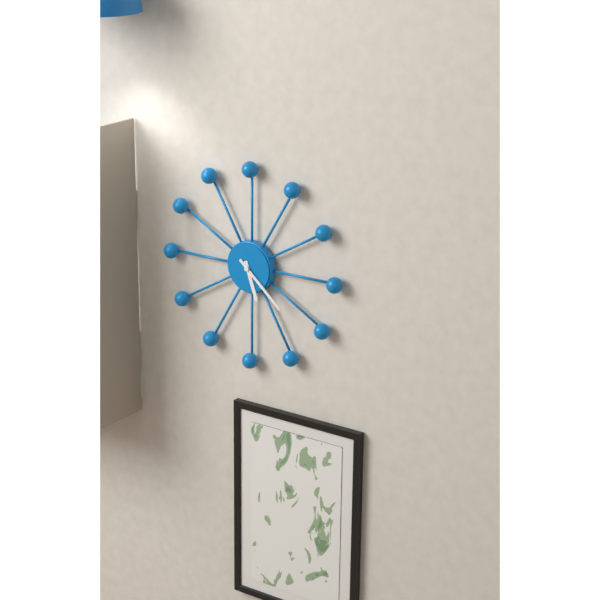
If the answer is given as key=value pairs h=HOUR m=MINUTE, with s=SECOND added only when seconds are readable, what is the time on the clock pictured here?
h=5 m=22
